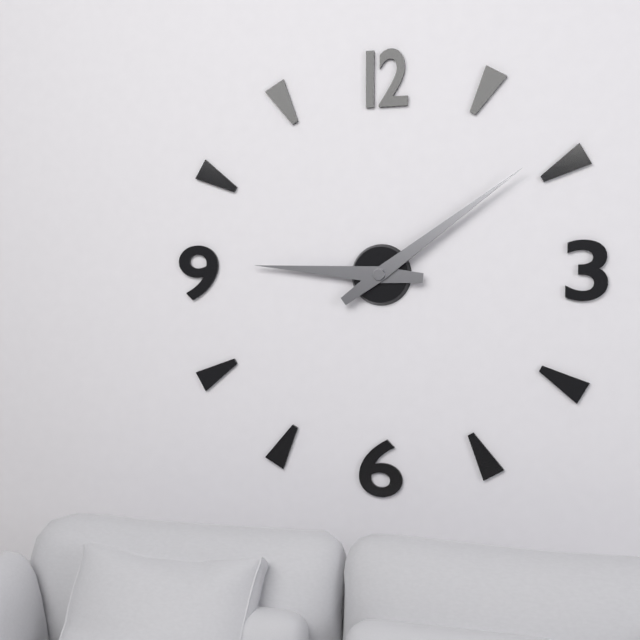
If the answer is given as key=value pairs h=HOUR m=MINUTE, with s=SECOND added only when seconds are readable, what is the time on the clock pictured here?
h=9 m=9
